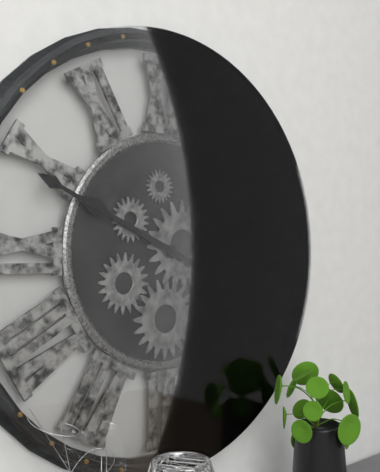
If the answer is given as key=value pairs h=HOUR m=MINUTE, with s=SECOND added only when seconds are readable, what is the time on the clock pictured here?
h=9 m=49
